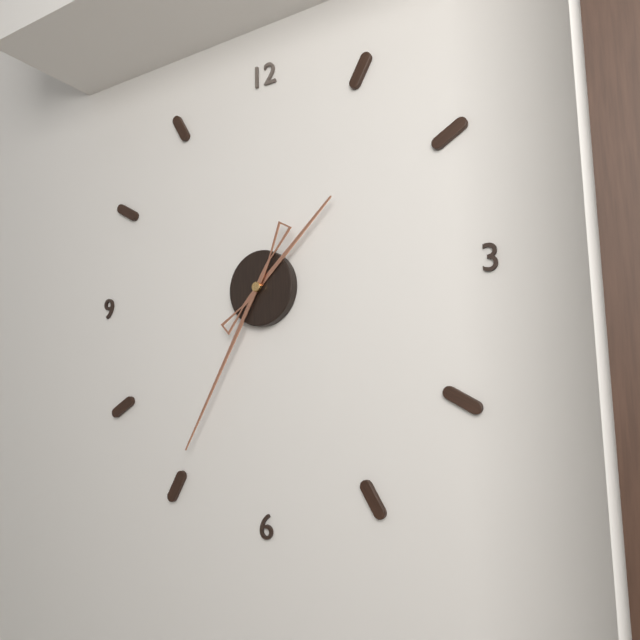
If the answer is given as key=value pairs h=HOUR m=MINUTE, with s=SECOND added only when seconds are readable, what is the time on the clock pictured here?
h=1 m=35
